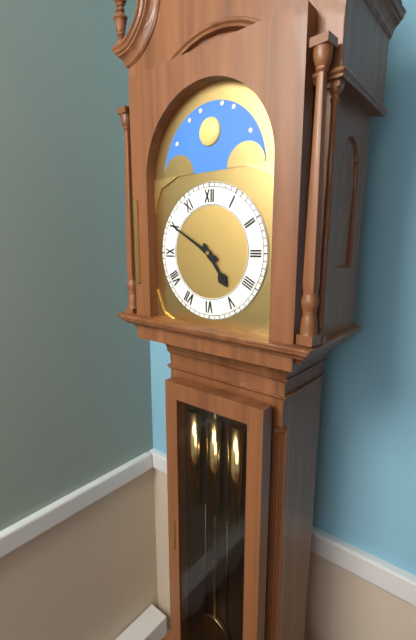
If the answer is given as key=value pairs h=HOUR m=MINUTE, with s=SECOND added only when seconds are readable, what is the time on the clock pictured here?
h=4 m=50
